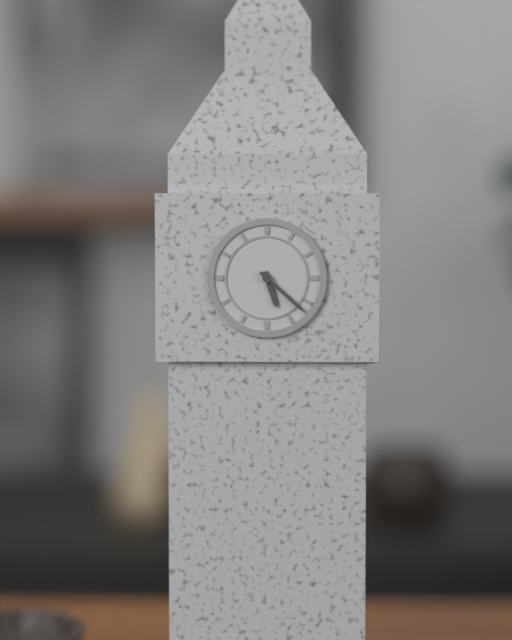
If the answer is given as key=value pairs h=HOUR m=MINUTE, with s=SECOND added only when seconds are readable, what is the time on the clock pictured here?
h=5 m=22
